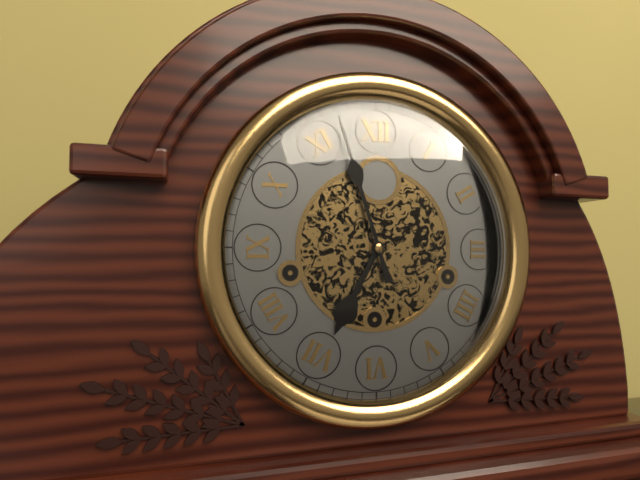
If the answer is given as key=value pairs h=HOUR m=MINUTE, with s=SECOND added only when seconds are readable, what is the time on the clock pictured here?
h=6 m=57
